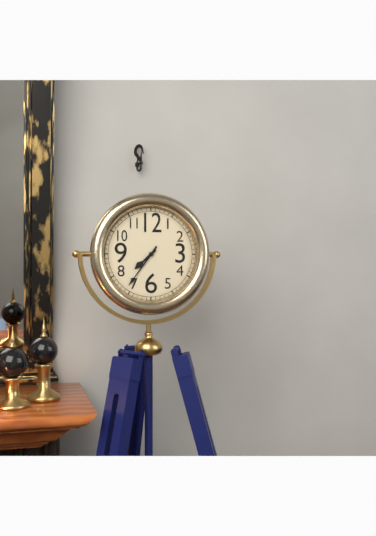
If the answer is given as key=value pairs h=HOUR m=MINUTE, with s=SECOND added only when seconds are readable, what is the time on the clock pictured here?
h=7 m=36
